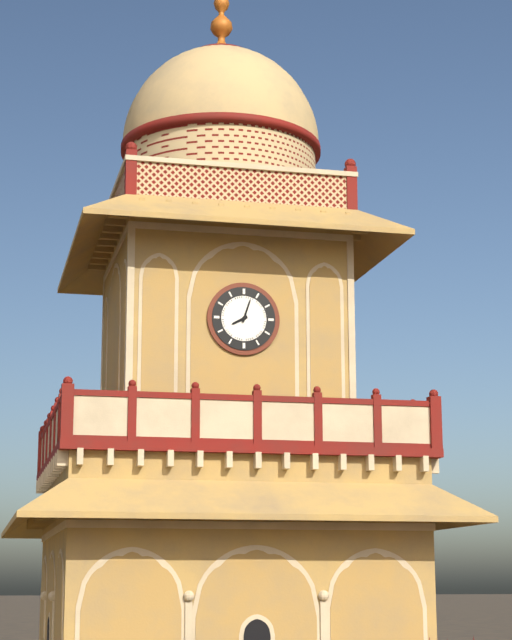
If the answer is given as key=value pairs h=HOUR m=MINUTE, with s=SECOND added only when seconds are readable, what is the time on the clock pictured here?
h=8 m=3
